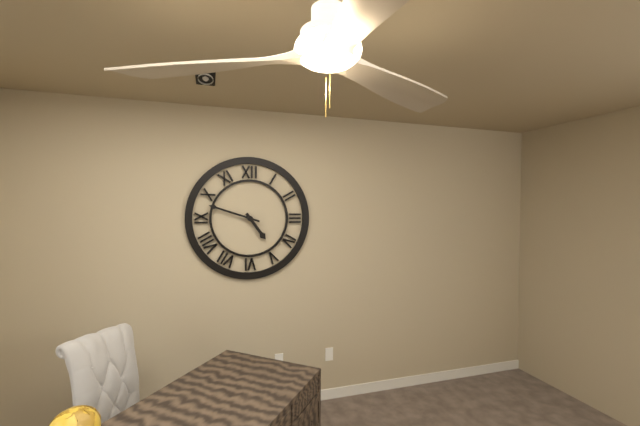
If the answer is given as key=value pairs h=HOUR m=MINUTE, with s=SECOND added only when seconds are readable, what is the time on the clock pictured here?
h=4 m=48
